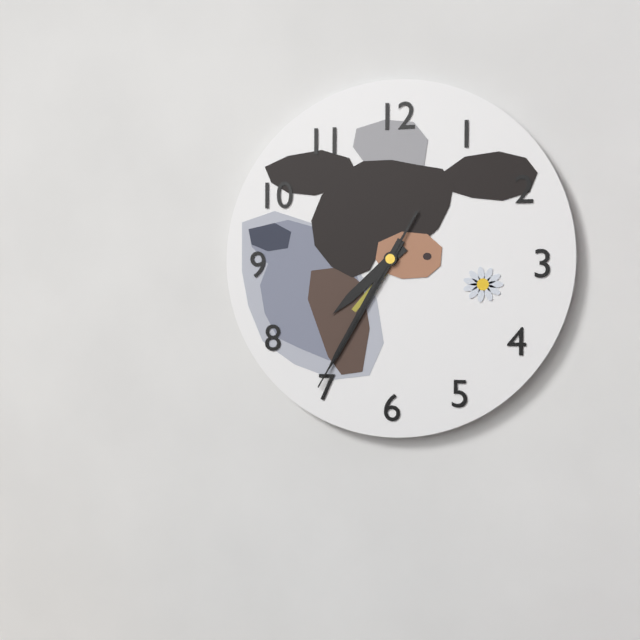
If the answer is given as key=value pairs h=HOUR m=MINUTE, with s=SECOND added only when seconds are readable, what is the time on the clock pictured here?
h=7 m=35 s=35
